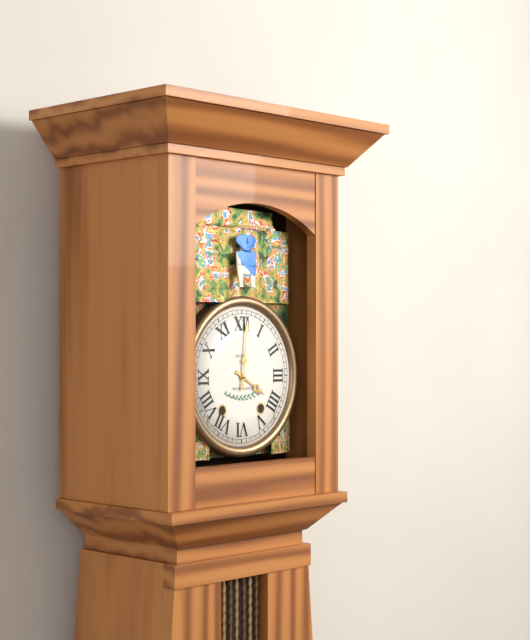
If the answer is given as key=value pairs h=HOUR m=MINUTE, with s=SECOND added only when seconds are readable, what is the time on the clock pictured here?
h=4 m=1
